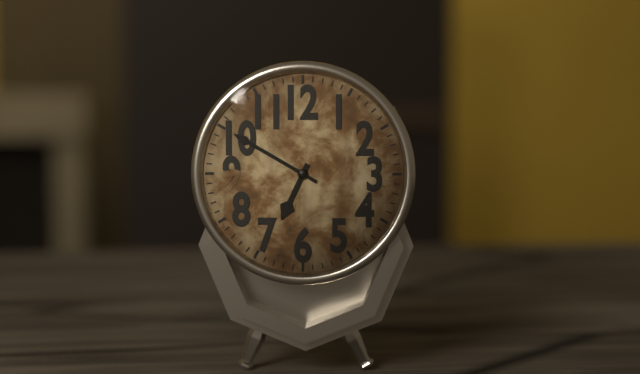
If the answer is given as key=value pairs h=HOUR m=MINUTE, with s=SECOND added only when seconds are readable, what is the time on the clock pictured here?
h=6 m=50
